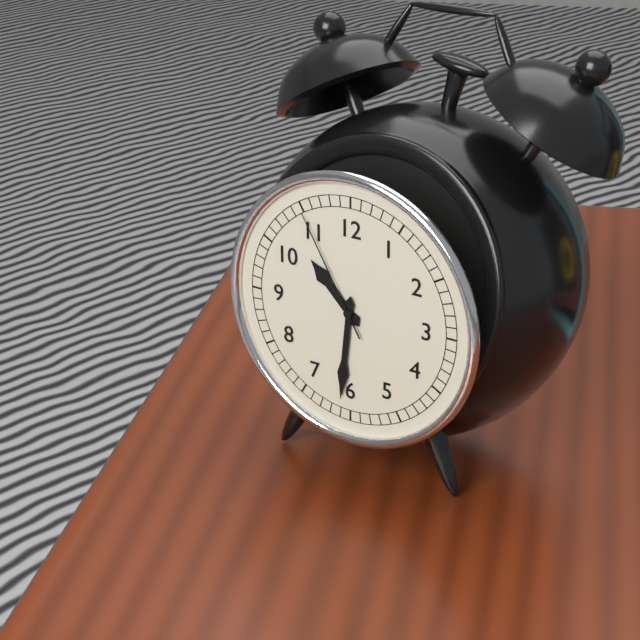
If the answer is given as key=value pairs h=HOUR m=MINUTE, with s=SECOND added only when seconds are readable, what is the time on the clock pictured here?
h=10 m=31 s=55
